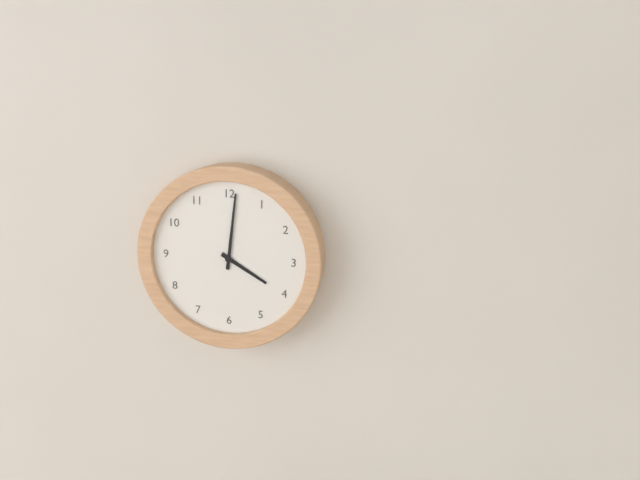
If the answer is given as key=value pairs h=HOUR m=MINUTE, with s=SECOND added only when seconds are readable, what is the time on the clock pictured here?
h=4 m=1
